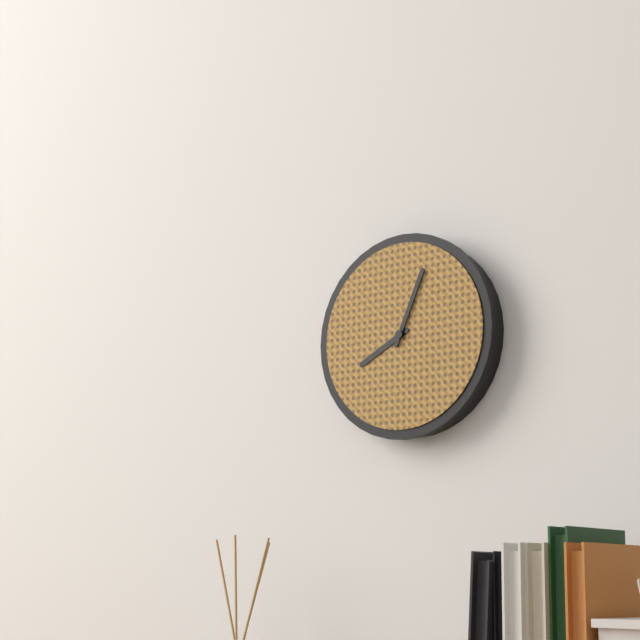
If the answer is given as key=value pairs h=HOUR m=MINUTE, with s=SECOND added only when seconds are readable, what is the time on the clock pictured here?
h=8 m=4
